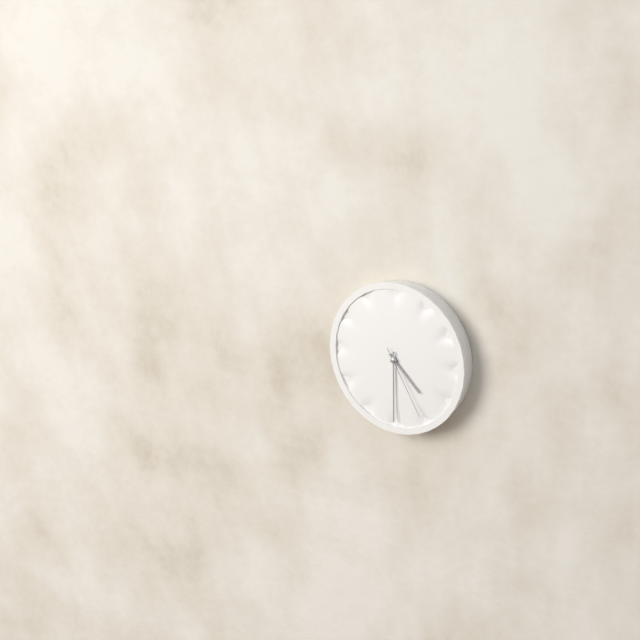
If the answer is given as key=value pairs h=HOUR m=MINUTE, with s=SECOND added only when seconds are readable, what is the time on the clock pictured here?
h=4 m=30 s=25
